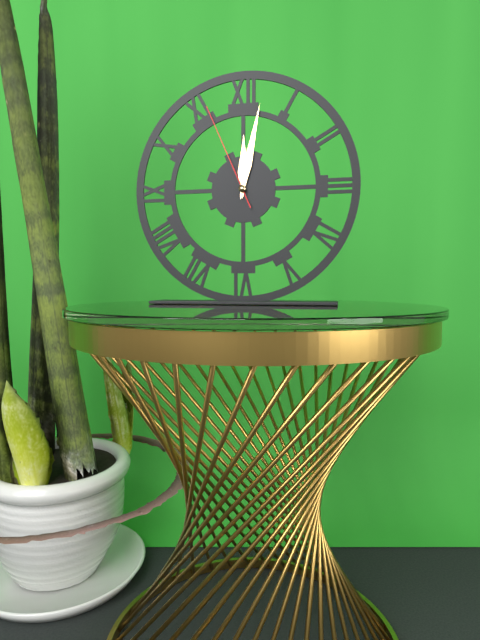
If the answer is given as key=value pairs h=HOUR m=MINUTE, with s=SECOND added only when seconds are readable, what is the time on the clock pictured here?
h=12 m=2 s=56
